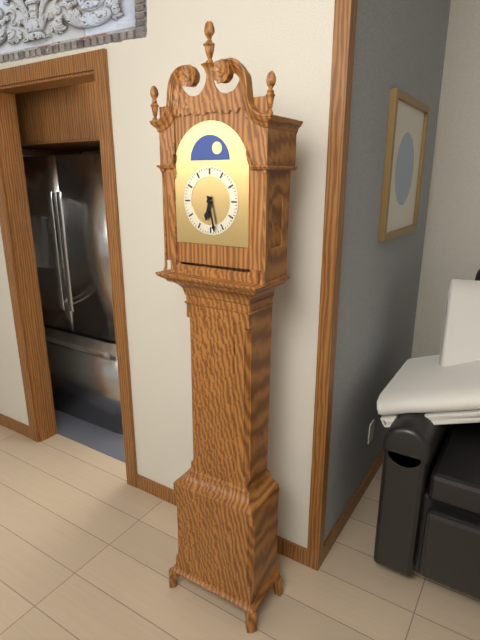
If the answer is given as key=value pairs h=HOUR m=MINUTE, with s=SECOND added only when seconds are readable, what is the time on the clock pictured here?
h=6 m=28
